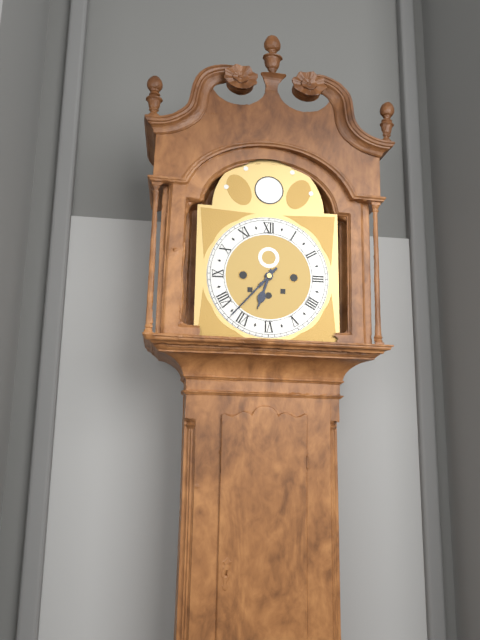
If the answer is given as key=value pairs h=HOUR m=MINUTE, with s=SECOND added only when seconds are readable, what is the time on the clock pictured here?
h=6 m=37
